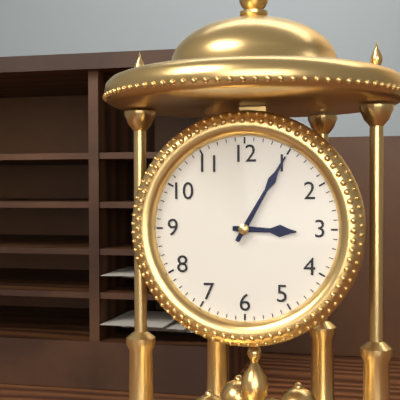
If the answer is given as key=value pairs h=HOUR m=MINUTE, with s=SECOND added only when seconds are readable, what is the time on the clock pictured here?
h=3 m=5
